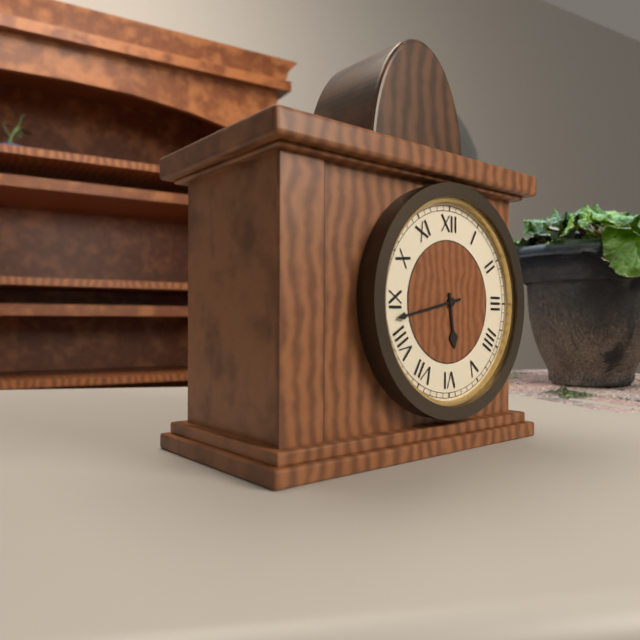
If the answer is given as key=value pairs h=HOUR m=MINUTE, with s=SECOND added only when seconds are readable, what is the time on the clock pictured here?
h=5 m=43
